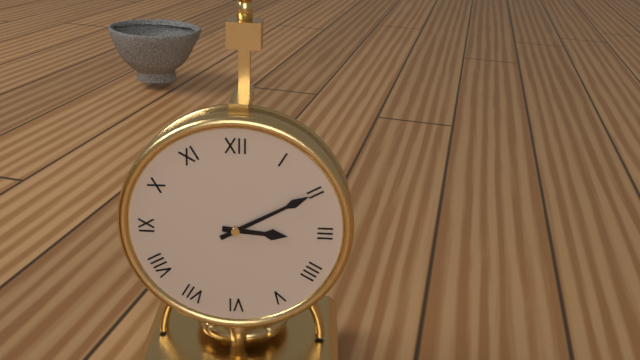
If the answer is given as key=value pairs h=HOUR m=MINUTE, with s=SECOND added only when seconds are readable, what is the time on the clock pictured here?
h=3 m=10
